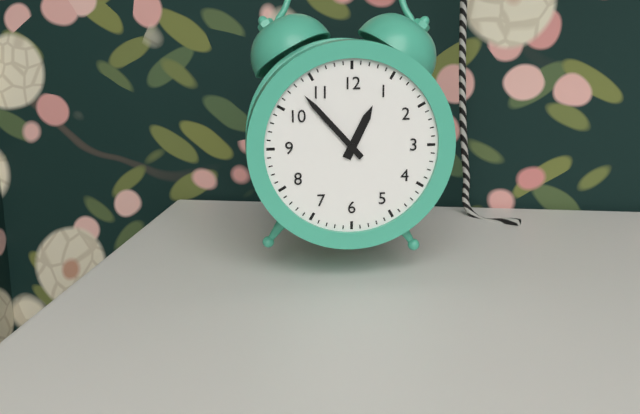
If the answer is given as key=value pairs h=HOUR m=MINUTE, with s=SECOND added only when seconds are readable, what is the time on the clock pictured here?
h=12 m=53
